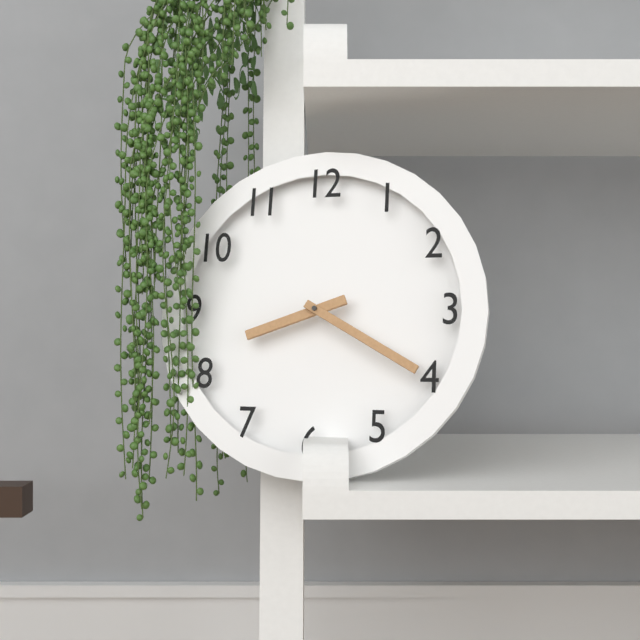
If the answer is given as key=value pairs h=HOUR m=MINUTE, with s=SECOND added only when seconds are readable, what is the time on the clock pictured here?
h=8 m=20
